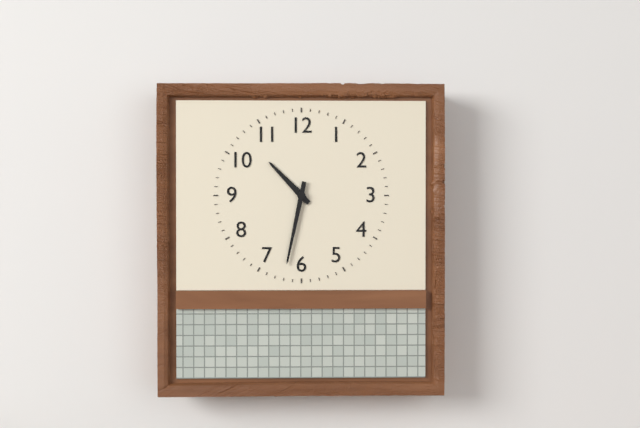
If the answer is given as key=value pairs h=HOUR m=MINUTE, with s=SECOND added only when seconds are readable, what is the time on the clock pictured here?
h=10 m=32
